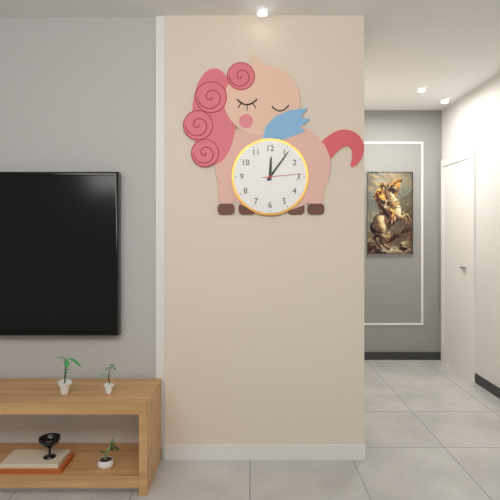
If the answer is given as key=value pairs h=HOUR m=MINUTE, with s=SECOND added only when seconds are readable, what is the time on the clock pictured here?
h=12 m=6
